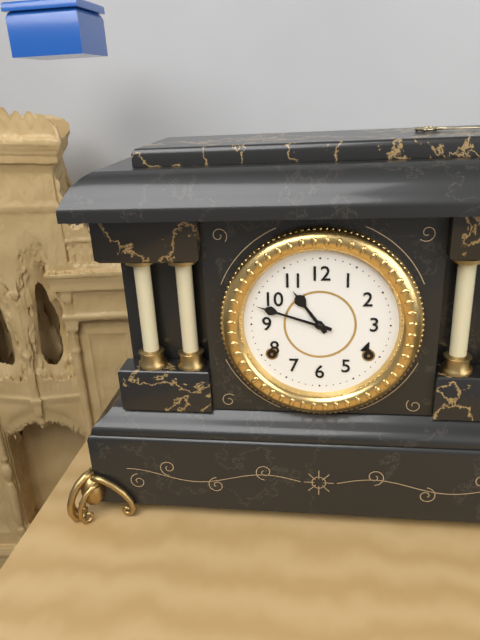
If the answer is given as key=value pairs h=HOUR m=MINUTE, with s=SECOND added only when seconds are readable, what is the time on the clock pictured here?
h=10 m=48
